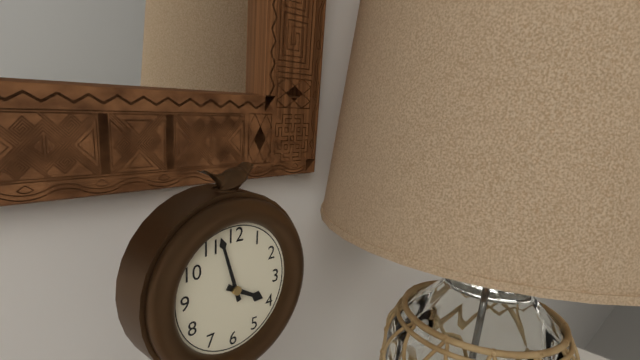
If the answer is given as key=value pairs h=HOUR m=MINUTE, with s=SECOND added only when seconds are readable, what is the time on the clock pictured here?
h=3 m=57
